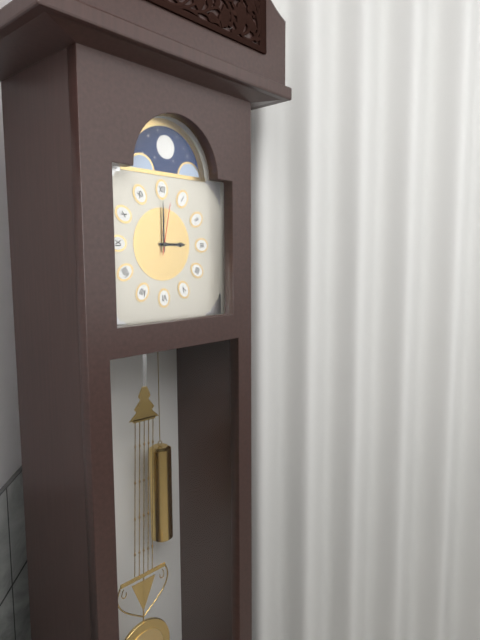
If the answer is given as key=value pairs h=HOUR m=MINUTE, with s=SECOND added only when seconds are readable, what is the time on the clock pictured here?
h=3 m=0 s=2
